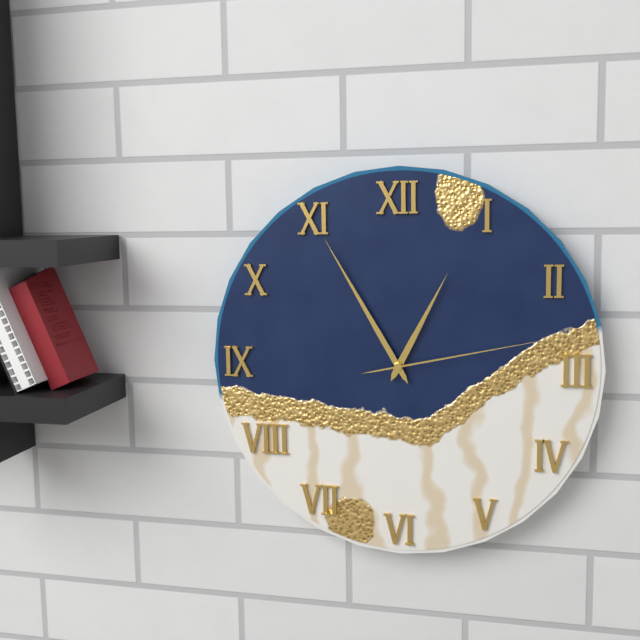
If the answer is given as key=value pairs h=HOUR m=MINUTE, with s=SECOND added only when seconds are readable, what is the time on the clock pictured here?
h=12 m=55 s=13
